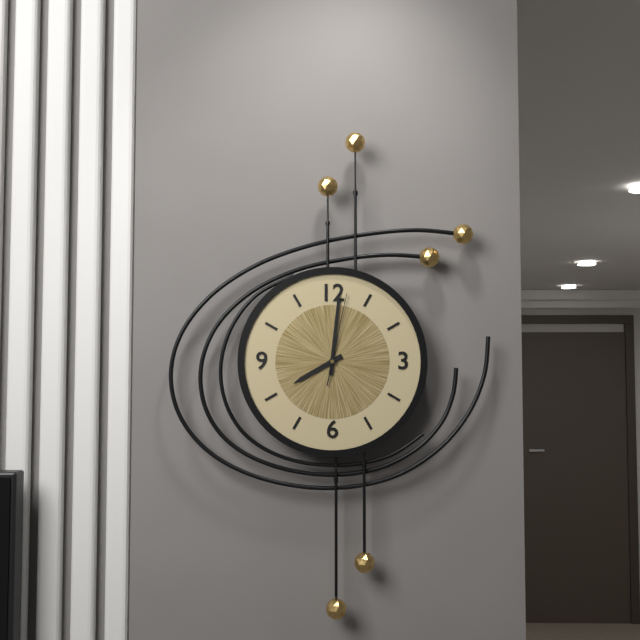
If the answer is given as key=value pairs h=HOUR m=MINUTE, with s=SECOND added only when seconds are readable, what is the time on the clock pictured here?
h=8 m=1 s=2
